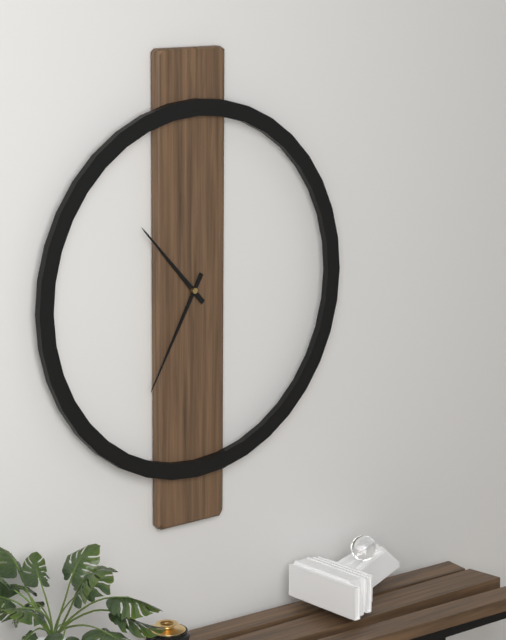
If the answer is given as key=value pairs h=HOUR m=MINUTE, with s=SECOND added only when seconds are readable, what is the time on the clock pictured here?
h=10 m=35
